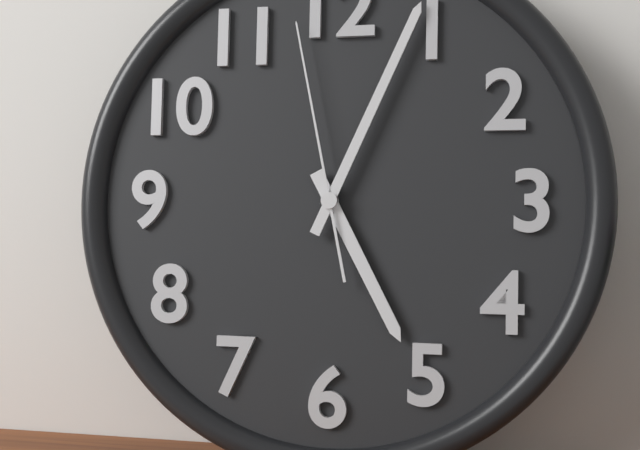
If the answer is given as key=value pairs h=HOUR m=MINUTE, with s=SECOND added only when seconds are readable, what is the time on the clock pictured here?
h=5 m=4 s=58
